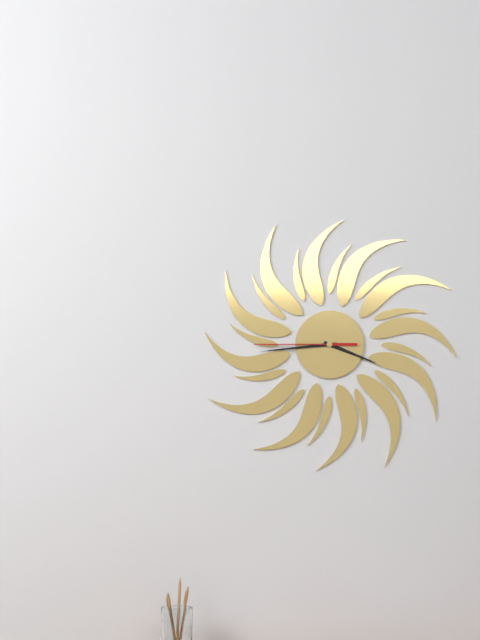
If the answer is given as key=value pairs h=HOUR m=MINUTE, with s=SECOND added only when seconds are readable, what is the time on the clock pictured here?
h=3 m=44 s=45
